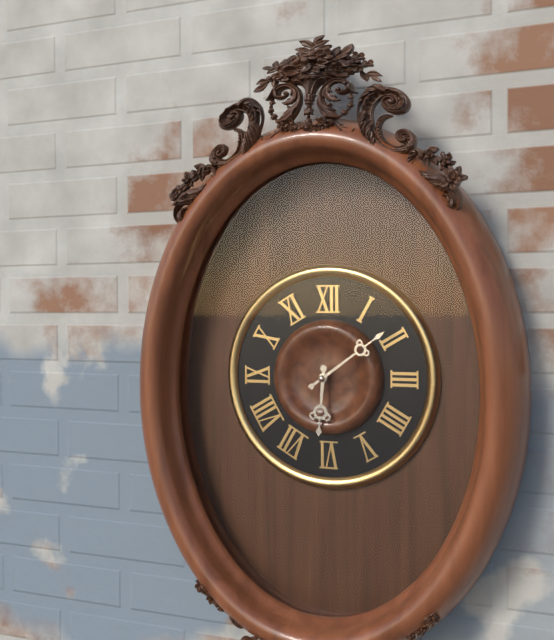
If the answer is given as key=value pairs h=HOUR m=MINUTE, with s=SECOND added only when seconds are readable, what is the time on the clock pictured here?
h=6 m=9
